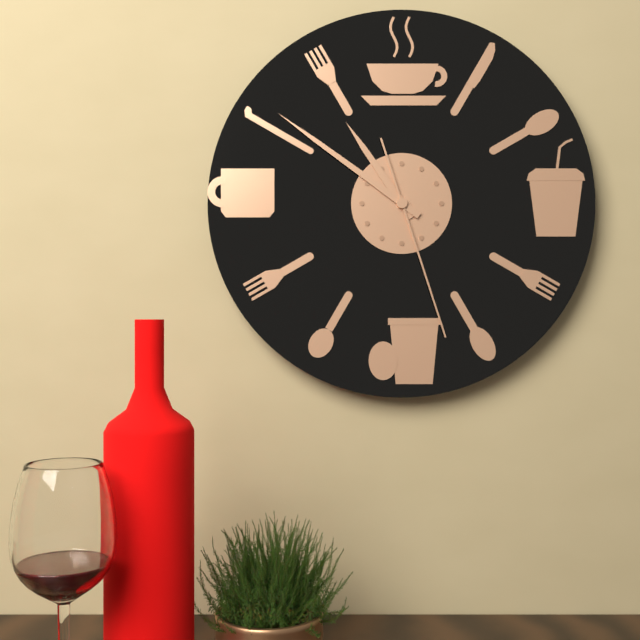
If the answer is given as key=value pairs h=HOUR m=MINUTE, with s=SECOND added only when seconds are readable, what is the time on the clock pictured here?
h=10 m=51 s=27
